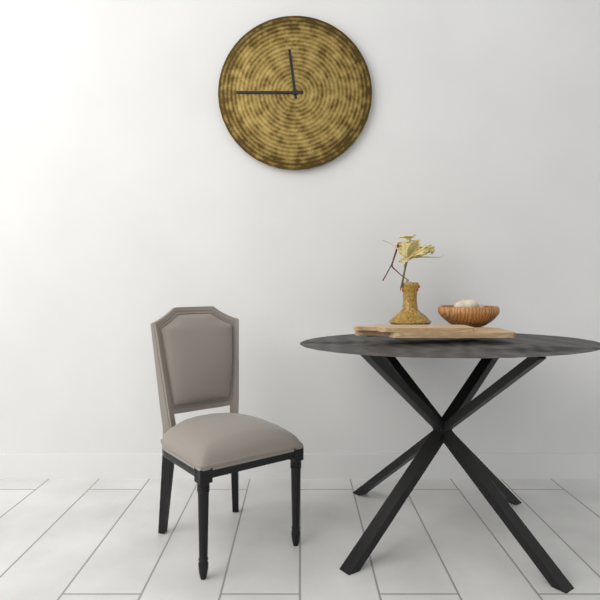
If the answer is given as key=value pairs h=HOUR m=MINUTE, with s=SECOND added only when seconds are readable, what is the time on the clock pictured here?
h=11 m=45
